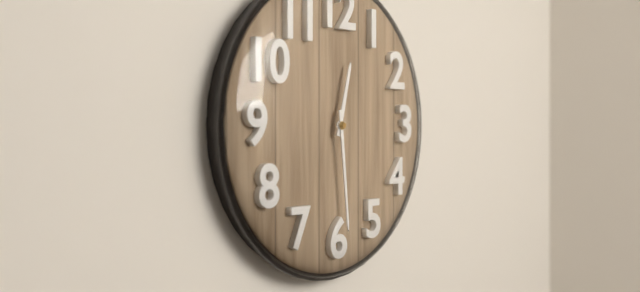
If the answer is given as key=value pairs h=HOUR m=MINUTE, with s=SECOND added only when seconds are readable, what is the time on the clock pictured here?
h=12 m=29
